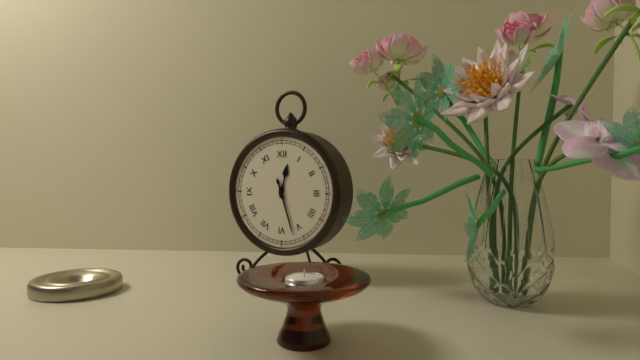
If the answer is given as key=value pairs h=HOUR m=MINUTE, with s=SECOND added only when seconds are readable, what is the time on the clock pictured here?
h=12 m=27
